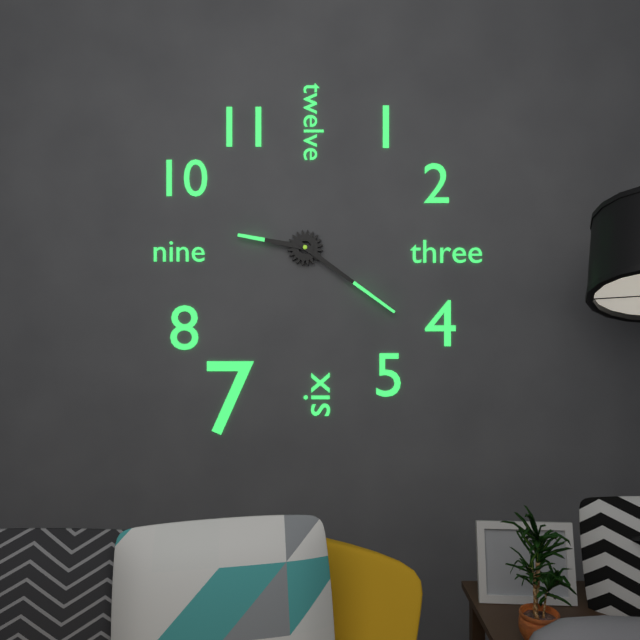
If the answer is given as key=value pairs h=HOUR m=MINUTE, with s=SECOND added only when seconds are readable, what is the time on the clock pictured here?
h=9 m=21
